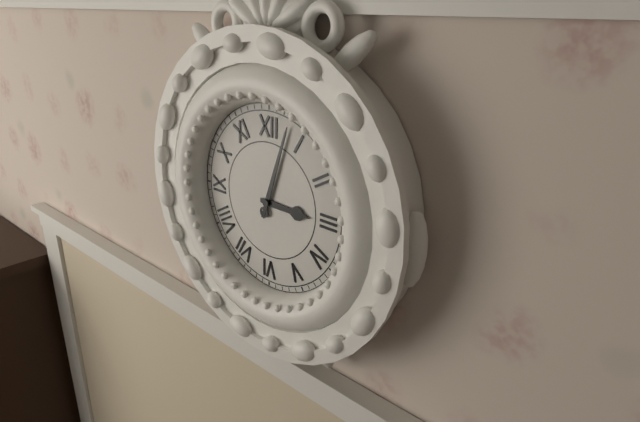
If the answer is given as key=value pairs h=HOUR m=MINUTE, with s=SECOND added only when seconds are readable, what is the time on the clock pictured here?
h=3 m=3
